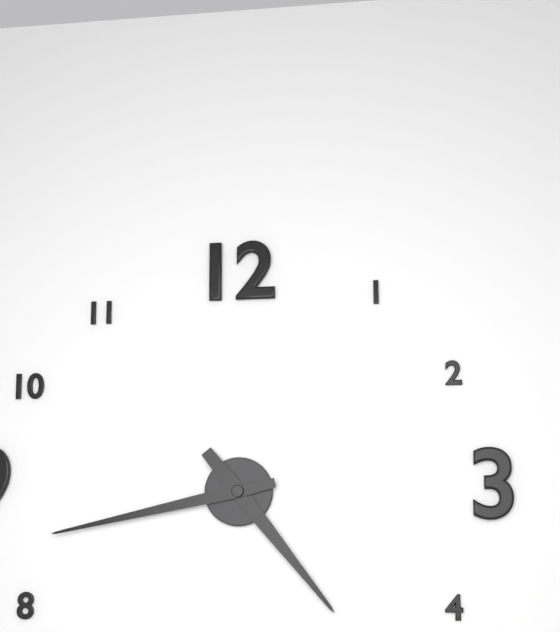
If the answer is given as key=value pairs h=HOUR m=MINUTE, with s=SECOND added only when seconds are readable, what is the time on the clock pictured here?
h=4 m=43
